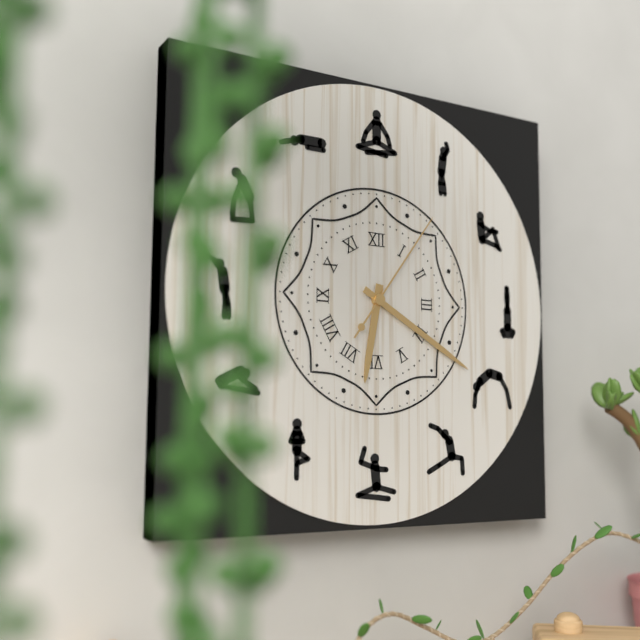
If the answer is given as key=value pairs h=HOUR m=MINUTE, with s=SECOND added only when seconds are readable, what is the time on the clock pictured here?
h=6 m=20 s=6
